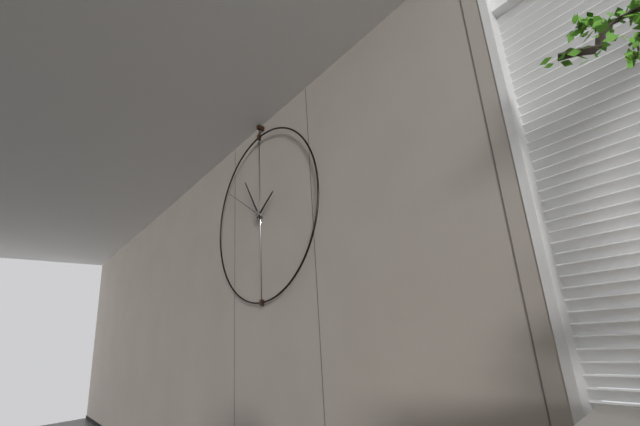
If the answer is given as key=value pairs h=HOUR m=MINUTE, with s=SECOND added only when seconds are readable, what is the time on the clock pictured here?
h=1 m=55
